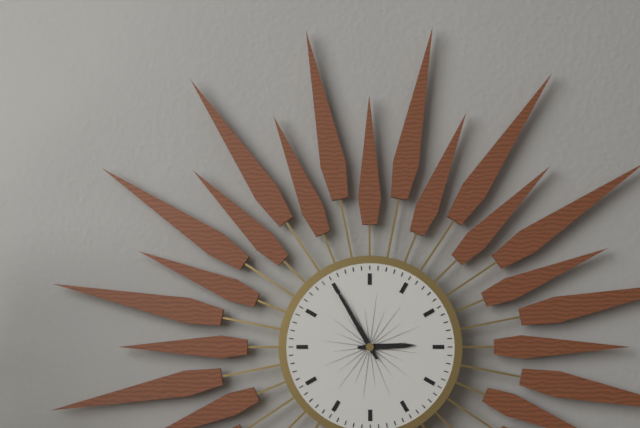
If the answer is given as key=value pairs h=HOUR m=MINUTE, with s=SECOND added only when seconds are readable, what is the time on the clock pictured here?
h=2 m=55
